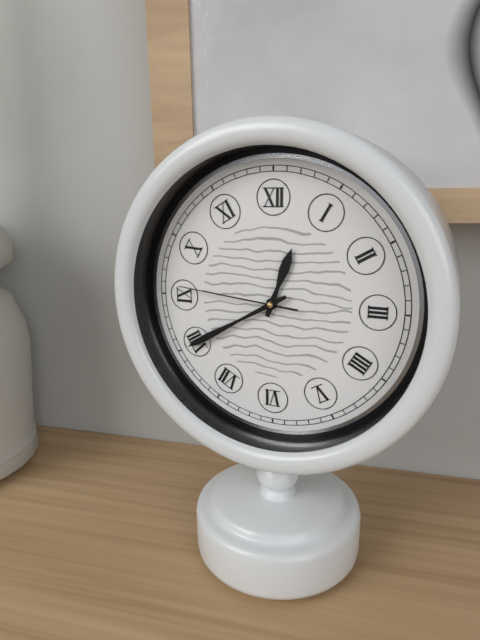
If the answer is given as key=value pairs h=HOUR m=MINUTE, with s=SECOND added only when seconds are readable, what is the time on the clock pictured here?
h=12 m=40 s=46
